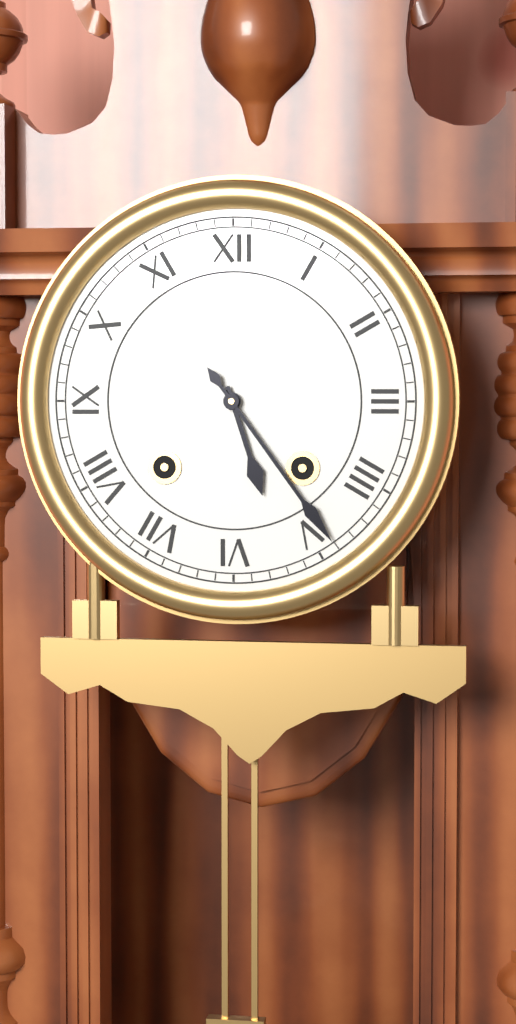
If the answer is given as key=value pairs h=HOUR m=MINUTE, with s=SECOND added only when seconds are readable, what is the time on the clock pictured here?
h=5 m=24
